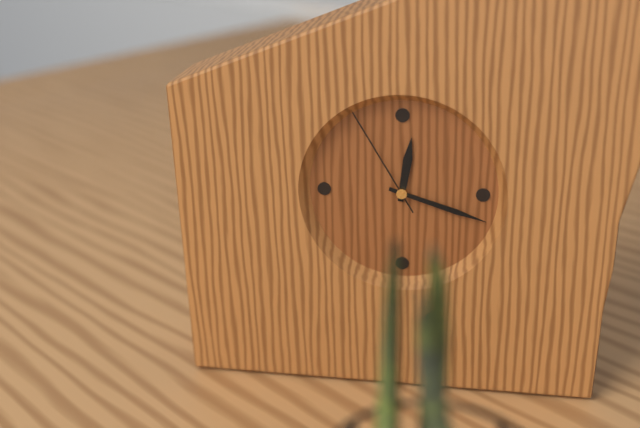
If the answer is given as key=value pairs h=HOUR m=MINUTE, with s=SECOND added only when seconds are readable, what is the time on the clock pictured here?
h=12 m=18 s=55
